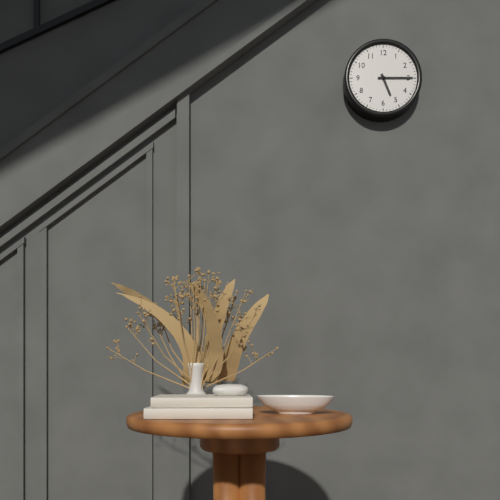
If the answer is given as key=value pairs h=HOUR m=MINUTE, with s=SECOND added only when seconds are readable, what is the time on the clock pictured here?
h=5 m=15
